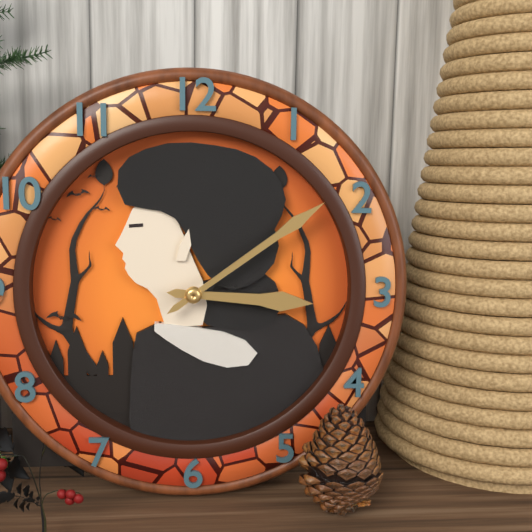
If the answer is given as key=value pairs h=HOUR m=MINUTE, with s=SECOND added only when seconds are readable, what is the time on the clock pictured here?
h=3 m=9
